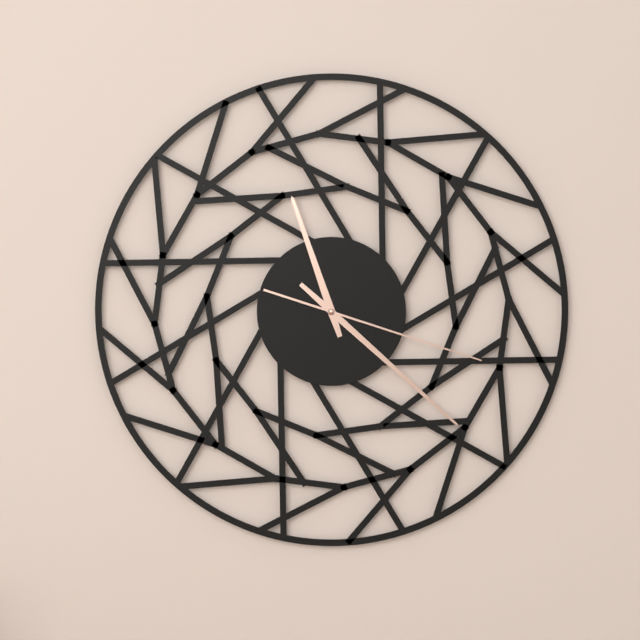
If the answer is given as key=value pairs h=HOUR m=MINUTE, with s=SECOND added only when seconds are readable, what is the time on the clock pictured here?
h=11 m=22 s=18
